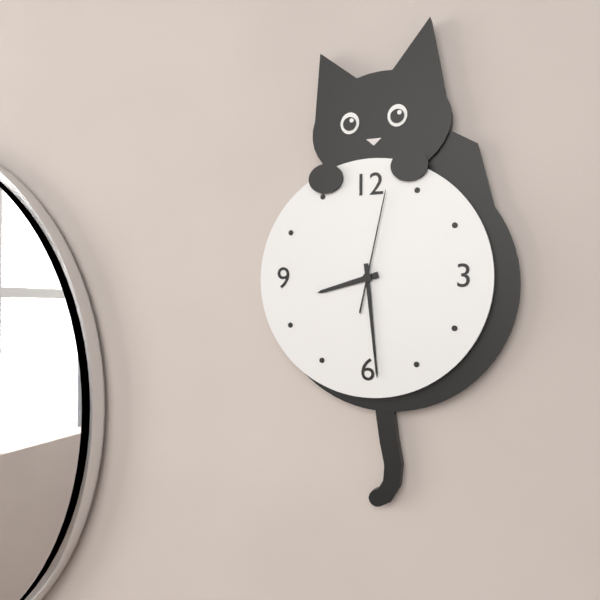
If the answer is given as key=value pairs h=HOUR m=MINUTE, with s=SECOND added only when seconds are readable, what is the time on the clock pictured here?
h=8 m=29 s=2
